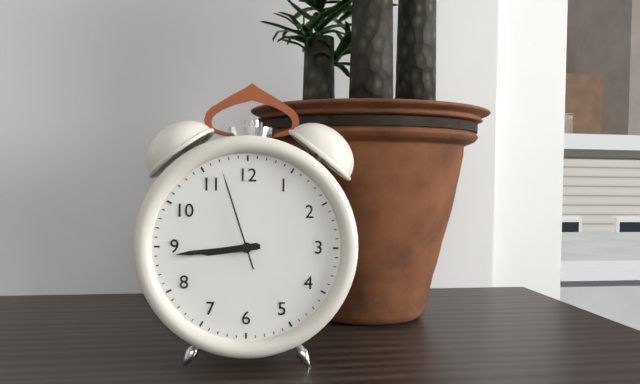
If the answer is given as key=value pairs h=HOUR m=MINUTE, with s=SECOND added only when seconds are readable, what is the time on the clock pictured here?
h=8 m=44 s=57
